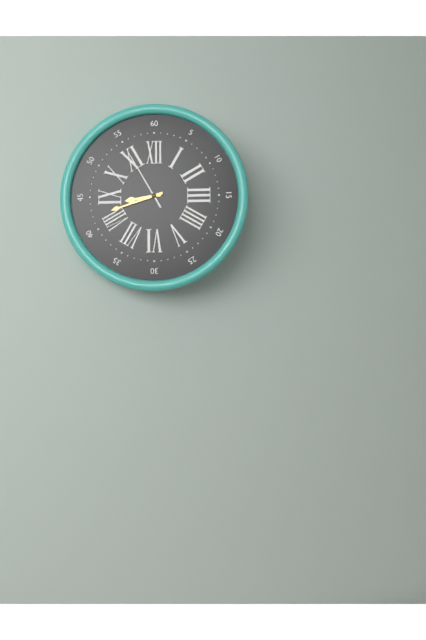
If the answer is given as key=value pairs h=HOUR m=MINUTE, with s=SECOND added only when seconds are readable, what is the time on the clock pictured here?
h=8 m=42 s=55
